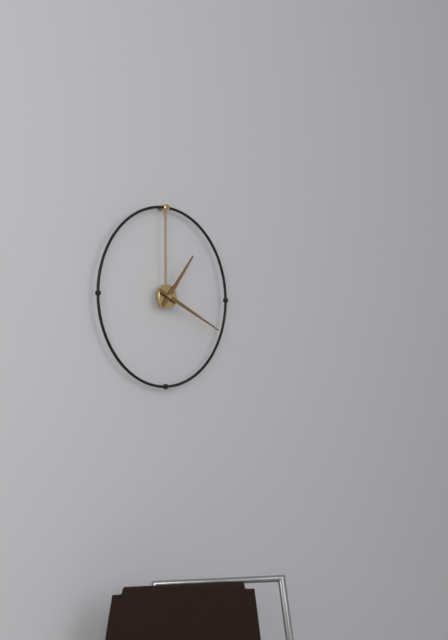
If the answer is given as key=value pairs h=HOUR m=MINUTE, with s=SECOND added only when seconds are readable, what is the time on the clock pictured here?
h=1 m=19
